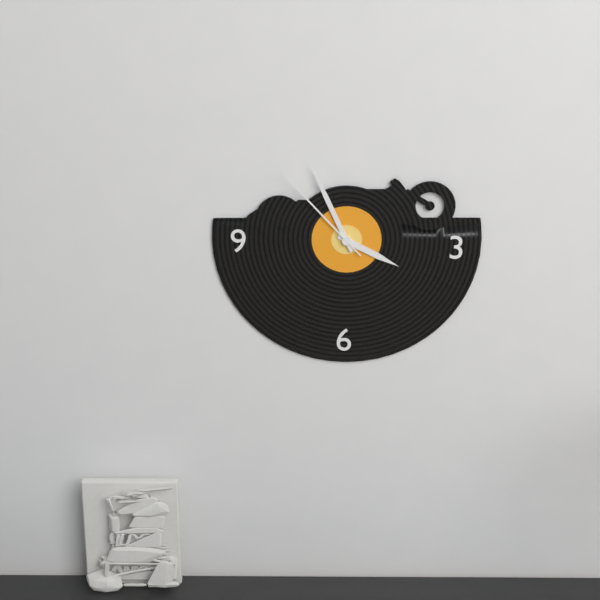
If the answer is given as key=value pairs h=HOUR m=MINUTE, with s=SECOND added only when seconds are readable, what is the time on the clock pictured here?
h=3 m=56 s=53
